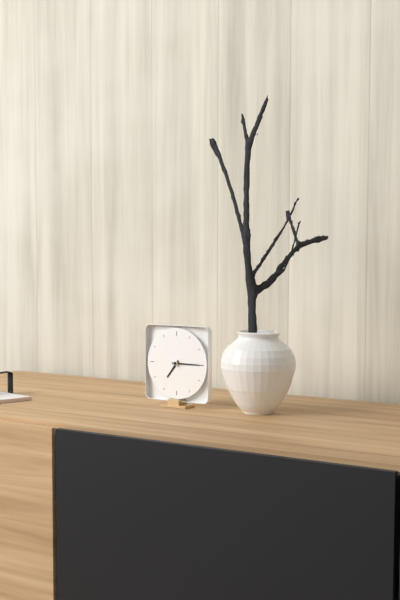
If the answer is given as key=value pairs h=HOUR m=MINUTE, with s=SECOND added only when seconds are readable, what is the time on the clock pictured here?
h=7 m=15
